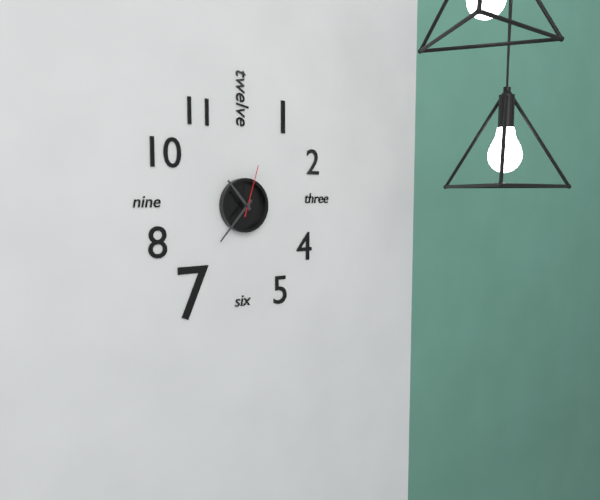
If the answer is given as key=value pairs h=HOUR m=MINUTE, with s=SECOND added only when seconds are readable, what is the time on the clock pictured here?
h=10 m=37 s=3
